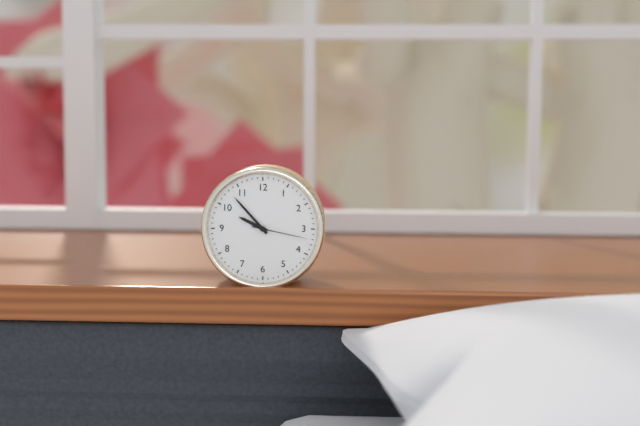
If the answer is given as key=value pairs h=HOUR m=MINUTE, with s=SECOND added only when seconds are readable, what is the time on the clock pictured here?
h=9 m=53 s=17
